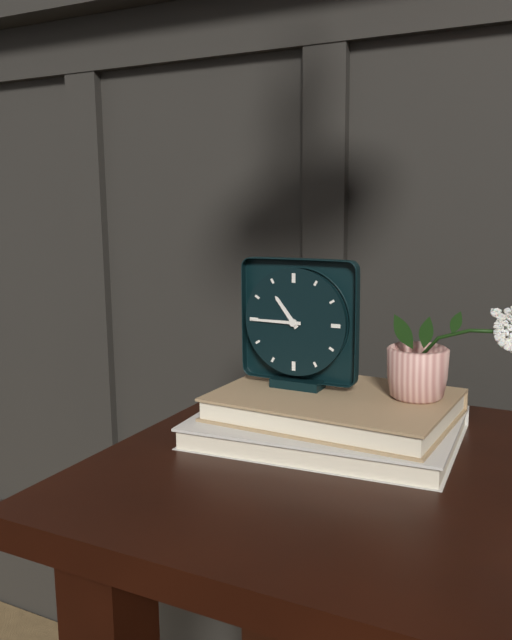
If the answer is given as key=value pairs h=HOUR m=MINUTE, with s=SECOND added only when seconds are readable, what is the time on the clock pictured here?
h=10 m=45
